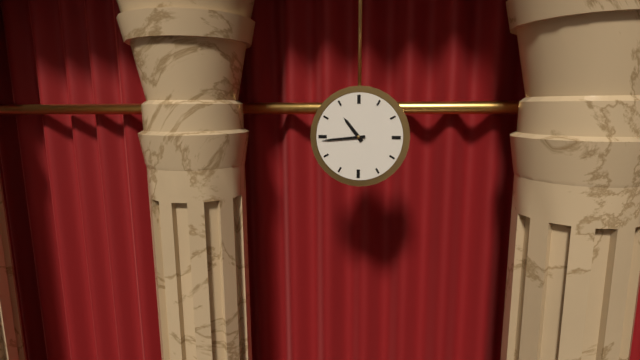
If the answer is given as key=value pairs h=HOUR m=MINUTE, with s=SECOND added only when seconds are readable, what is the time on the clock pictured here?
h=10 m=44
